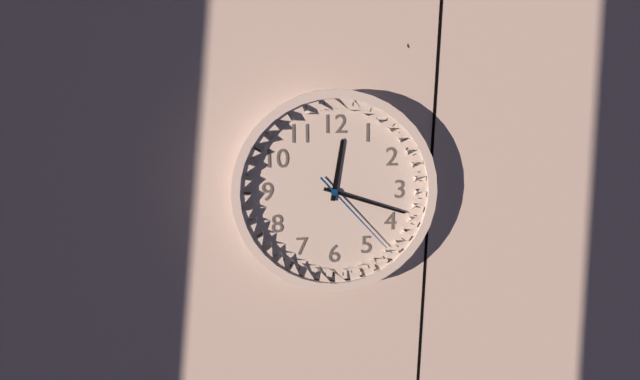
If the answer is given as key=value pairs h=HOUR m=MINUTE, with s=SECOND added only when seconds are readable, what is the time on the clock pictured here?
h=12 m=18 s=23
